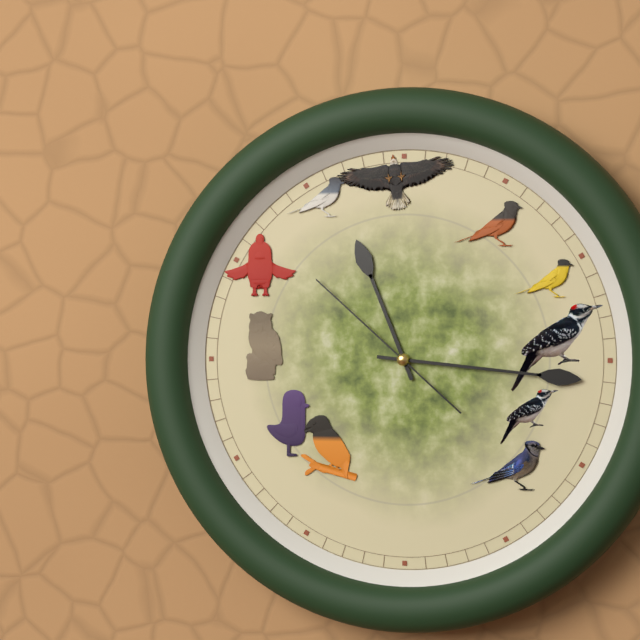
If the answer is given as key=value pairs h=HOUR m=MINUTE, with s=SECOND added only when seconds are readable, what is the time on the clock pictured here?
h=11 m=16 s=52
